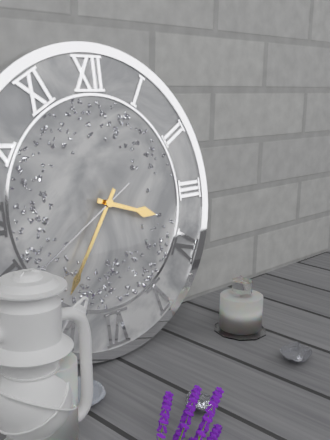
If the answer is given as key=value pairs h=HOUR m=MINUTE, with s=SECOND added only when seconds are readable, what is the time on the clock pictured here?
h=3 m=36 s=40
